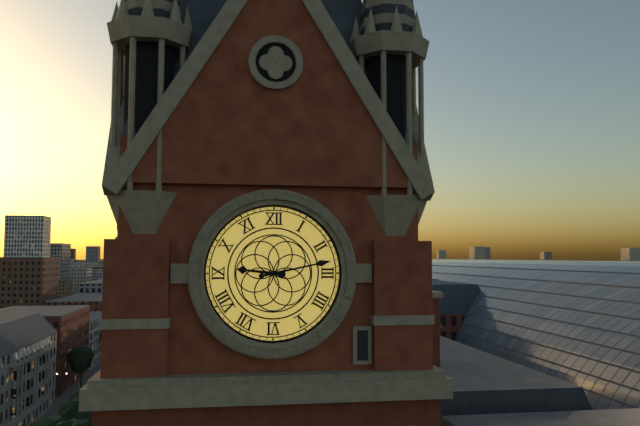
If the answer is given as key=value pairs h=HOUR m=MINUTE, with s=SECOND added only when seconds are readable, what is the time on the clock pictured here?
h=9 m=13
